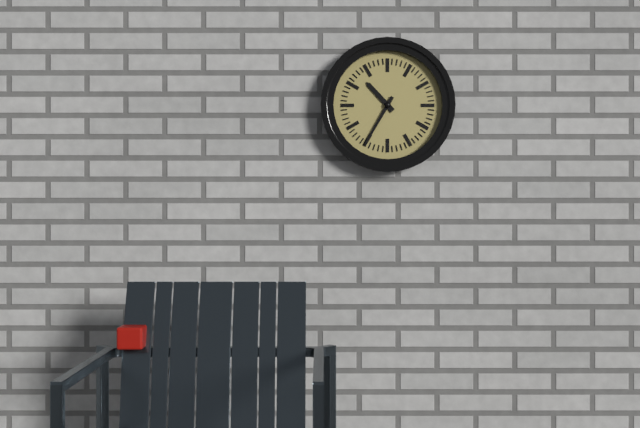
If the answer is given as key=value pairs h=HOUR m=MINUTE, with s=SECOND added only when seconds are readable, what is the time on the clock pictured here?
h=10 m=35
